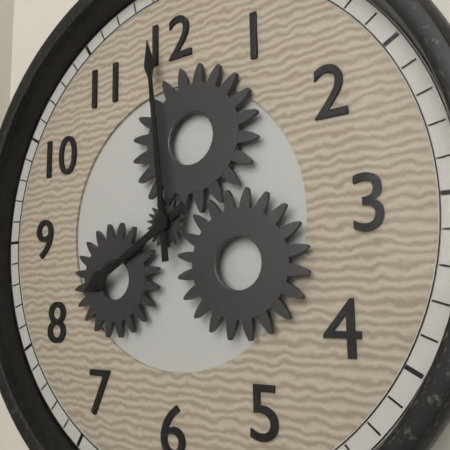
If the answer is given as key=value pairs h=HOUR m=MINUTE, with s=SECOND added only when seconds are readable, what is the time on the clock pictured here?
h=7 m=59
